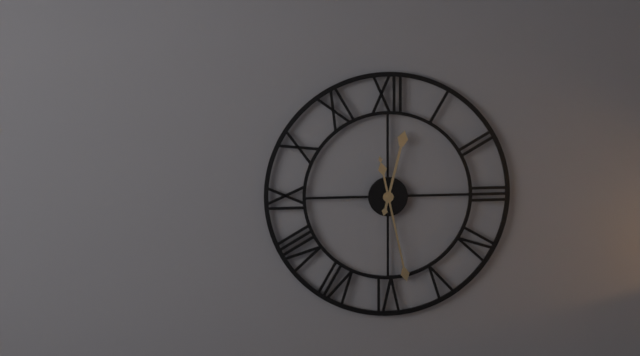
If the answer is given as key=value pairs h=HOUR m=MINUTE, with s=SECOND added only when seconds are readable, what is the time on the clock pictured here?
h=12 m=28
